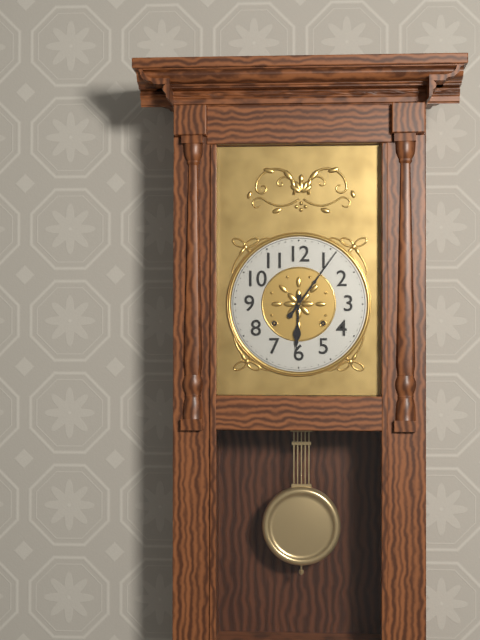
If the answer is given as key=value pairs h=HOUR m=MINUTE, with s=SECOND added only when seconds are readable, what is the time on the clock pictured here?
h=6 m=6
